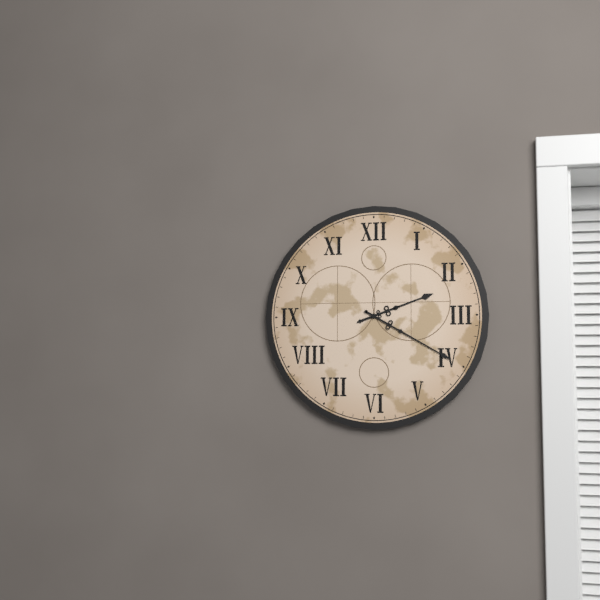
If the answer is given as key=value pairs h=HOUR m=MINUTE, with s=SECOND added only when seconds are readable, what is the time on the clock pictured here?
h=2 m=20
